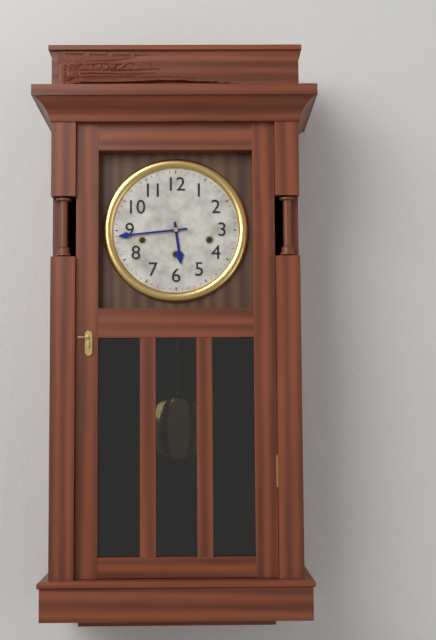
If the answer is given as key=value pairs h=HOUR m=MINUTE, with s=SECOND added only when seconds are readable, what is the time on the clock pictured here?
h=5 m=44
